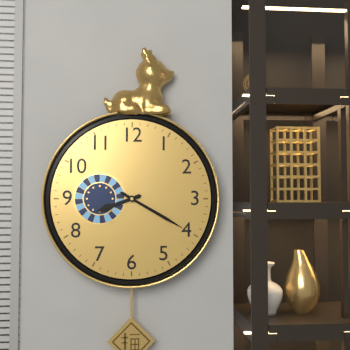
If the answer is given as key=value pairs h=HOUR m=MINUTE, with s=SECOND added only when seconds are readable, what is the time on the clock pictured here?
h=8 m=20
